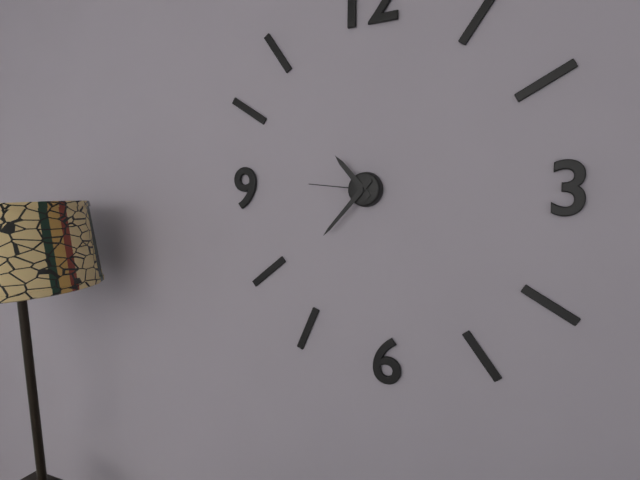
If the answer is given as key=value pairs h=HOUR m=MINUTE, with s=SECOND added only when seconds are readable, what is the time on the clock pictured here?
h=10 m=37 s=46
